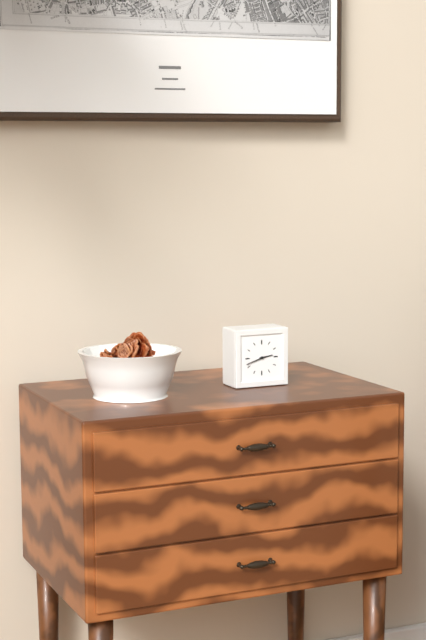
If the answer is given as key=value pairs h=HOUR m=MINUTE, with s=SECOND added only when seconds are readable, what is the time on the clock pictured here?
h=2 m=42
